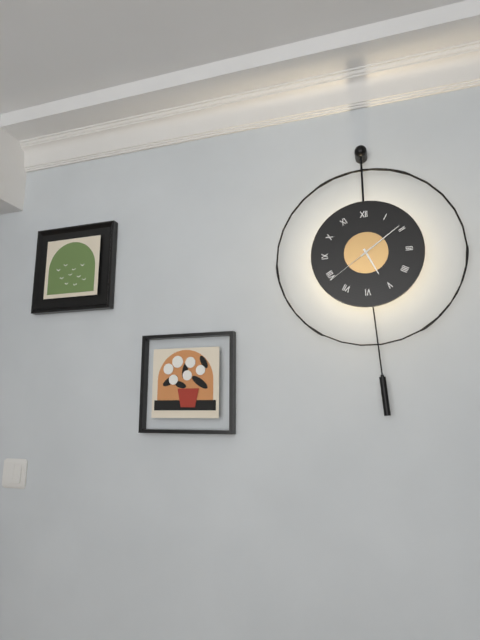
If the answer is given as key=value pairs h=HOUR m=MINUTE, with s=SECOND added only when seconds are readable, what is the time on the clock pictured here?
h=5 m=9 s=39
